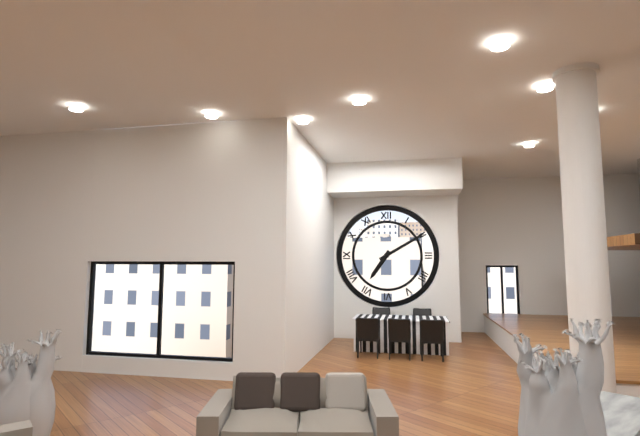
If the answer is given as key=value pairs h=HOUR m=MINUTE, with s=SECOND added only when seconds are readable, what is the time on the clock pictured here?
h=7 m=10
